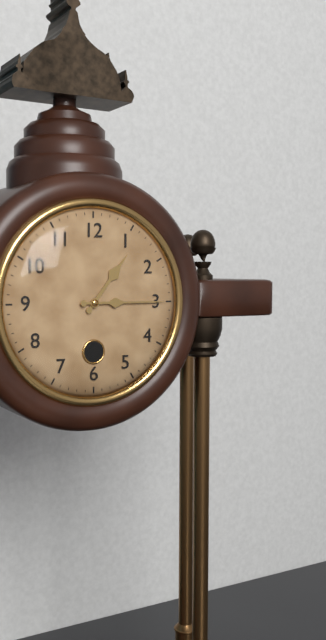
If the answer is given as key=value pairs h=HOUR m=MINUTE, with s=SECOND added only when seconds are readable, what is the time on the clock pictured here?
h=1 m=15
